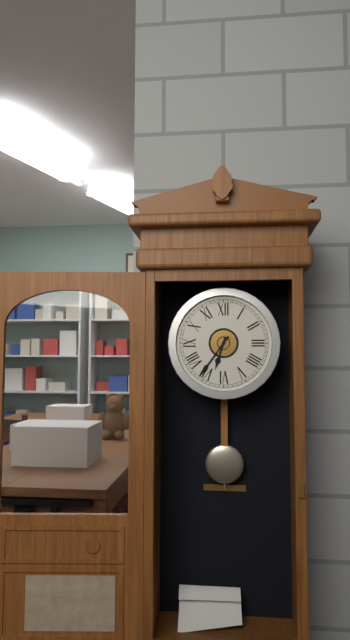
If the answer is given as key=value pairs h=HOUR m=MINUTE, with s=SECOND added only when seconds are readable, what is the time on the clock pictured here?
h=6 m=36
